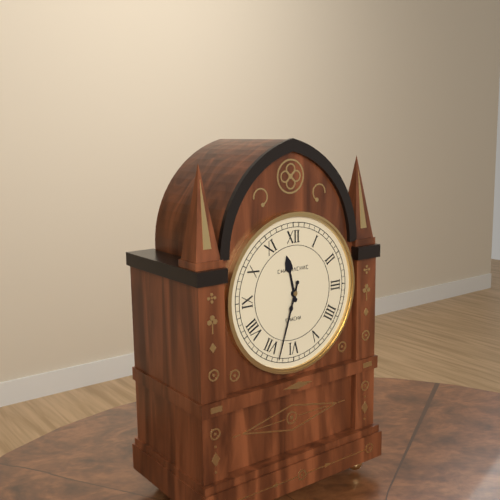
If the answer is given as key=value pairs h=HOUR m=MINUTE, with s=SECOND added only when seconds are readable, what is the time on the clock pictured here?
h=11 m=33
